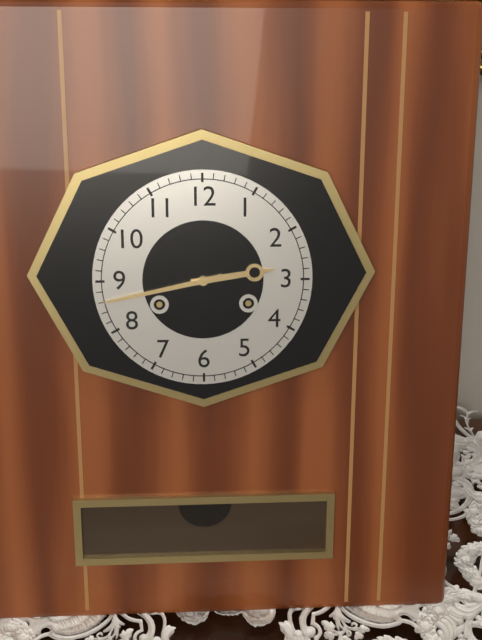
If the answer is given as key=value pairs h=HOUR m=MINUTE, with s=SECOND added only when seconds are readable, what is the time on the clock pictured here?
h=2 m=43
